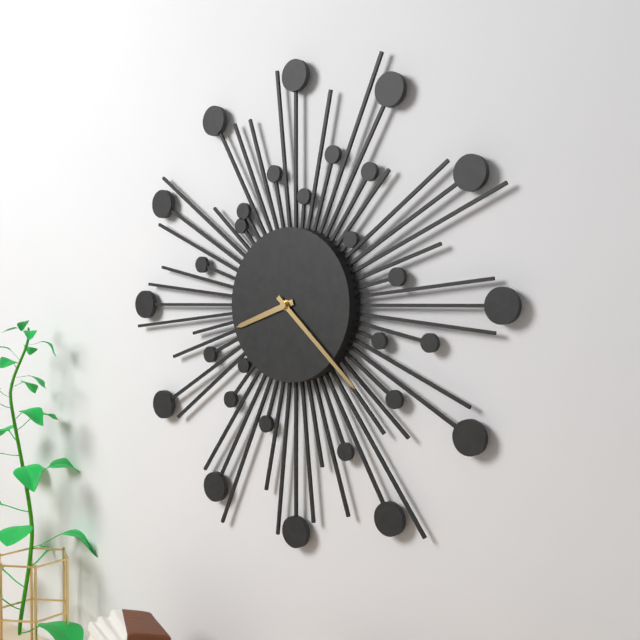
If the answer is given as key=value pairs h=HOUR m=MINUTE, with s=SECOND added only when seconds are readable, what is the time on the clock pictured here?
h=8 m=22
